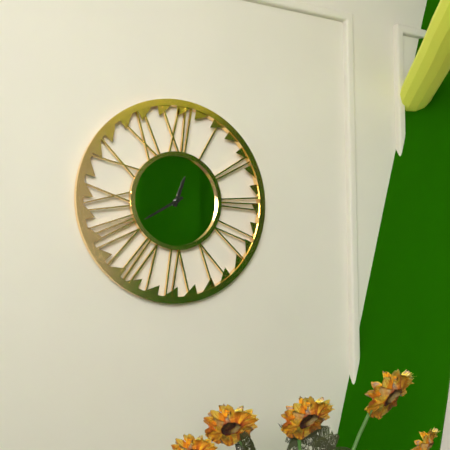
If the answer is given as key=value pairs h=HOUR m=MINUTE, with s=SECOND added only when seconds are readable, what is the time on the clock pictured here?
h=12 m=40
